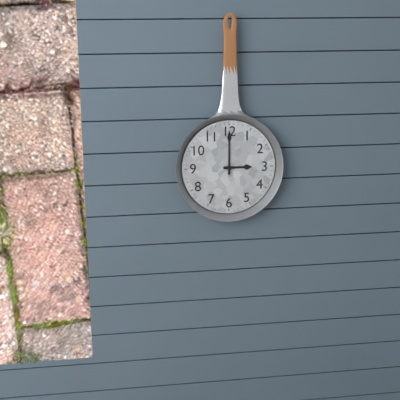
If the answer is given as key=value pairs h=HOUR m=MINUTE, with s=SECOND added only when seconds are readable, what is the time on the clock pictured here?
h=3 m=0
